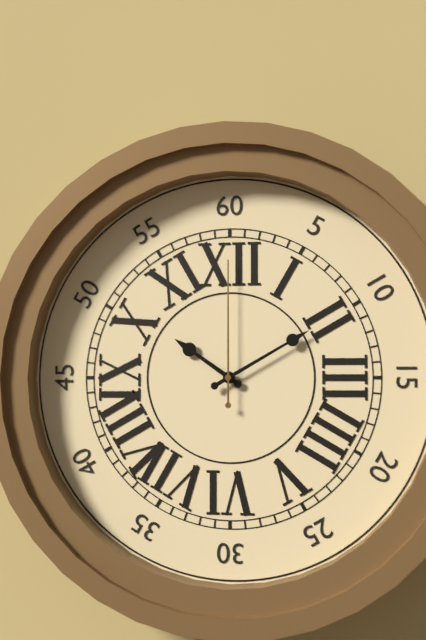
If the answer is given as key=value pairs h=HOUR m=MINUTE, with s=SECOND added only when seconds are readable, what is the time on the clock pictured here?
h=10 m=10 s=0
